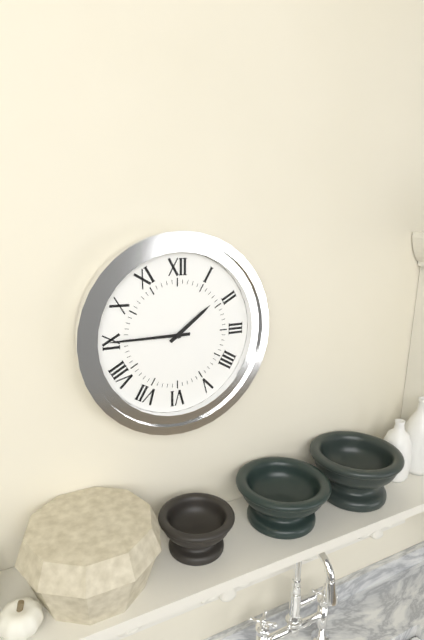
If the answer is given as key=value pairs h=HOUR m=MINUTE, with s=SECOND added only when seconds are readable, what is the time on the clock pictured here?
h=1 m=45
